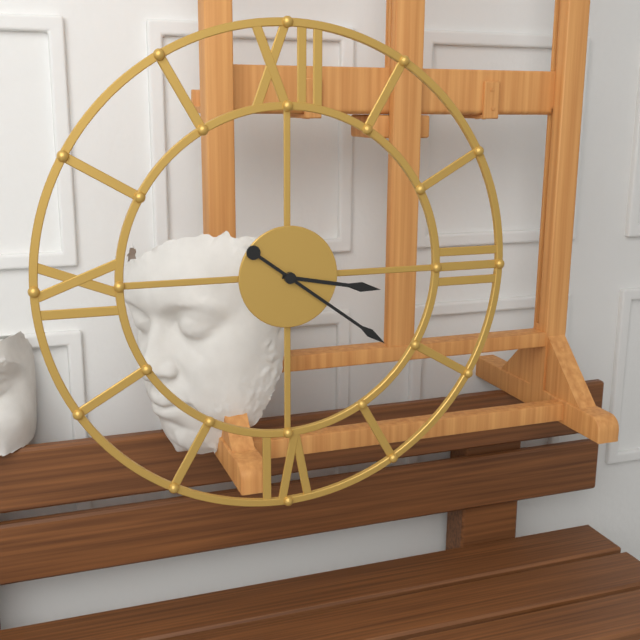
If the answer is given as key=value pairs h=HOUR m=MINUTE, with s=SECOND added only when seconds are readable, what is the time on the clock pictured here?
h=3 m=21
